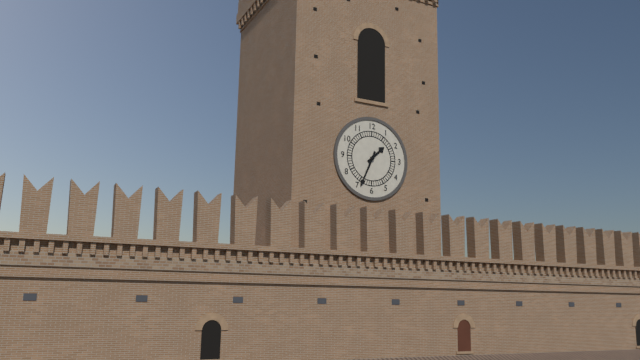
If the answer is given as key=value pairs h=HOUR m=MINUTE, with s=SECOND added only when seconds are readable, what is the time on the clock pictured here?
h=1 m=34
